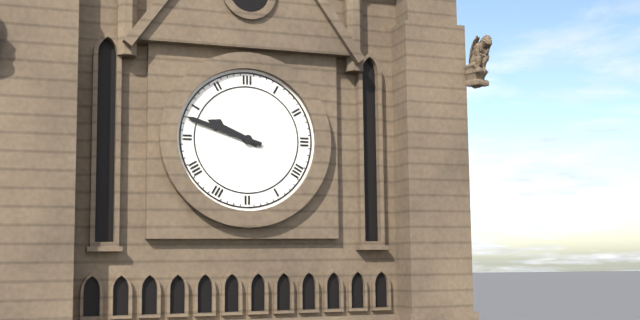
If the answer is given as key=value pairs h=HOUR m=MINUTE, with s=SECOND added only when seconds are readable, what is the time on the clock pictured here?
h=9 m=48
